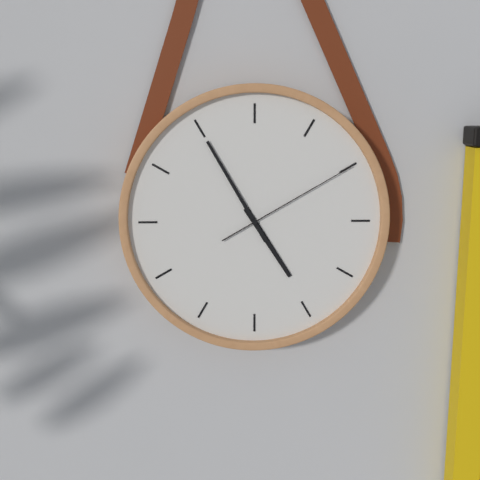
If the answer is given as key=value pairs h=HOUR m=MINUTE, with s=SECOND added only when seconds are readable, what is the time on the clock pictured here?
h=4 m=55 s=10
